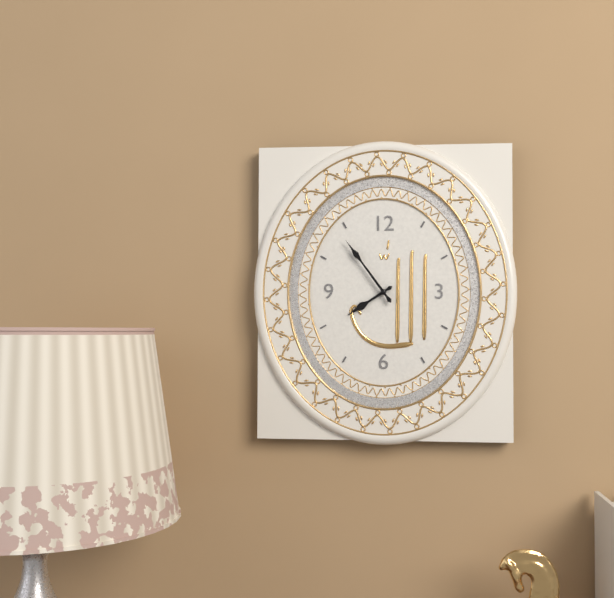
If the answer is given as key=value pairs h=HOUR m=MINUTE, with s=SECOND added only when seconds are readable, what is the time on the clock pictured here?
h=7 m=54
